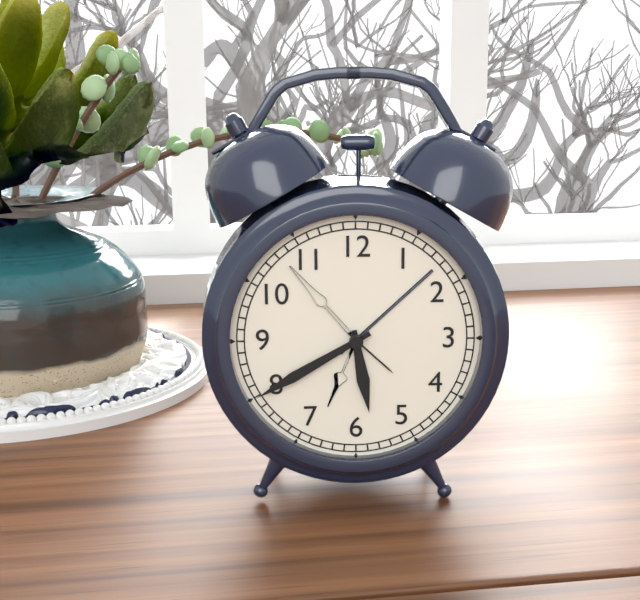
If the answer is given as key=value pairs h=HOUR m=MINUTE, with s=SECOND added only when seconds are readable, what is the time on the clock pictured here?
h=5 m=40
